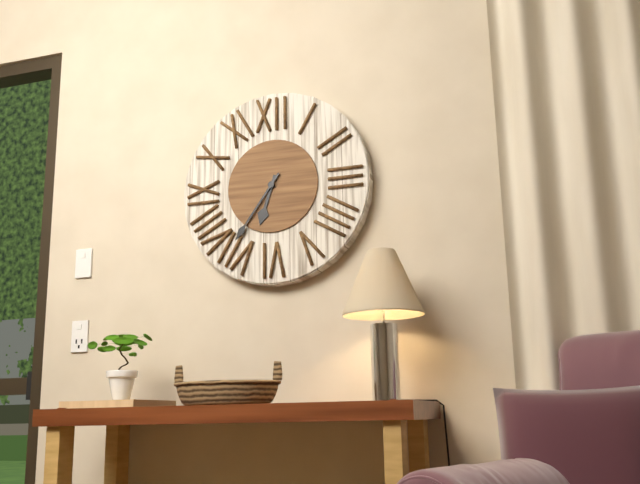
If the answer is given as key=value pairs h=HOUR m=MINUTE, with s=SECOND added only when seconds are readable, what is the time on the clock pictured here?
h=6 m=36
